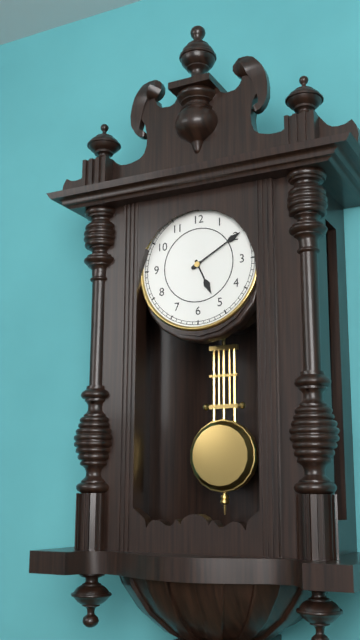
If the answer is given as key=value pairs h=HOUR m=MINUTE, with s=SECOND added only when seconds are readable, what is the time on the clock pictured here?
h=5 m=10
